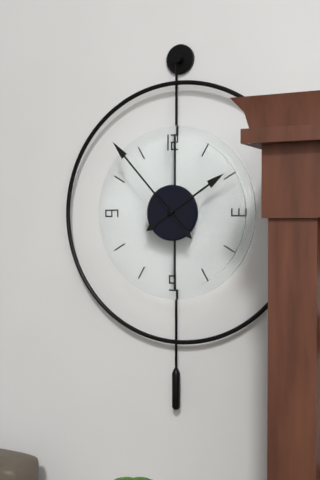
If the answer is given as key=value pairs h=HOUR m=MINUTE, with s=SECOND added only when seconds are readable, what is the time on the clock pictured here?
h=1 m=53
